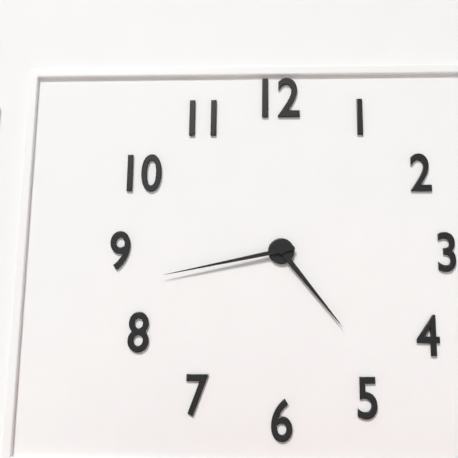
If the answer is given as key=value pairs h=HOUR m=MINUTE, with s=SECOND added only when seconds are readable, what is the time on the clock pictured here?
h=4 m=43
